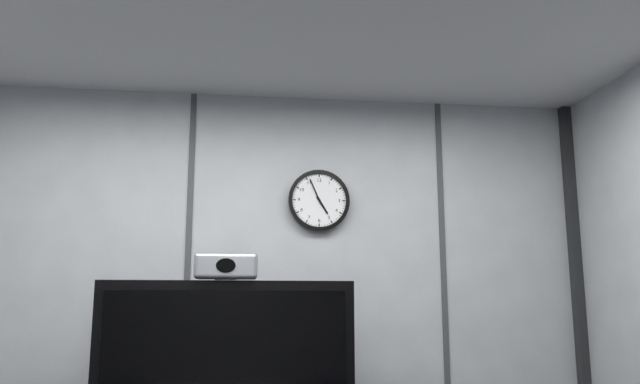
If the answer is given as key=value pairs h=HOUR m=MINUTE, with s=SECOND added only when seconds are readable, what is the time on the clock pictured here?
h=4 m=56
